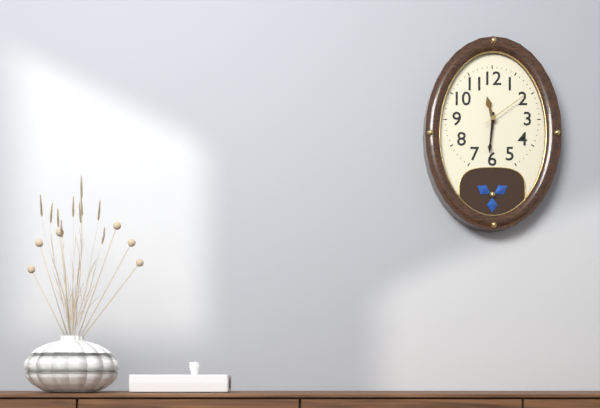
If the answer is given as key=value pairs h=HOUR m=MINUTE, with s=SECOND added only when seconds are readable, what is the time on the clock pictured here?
h=11 m=31
